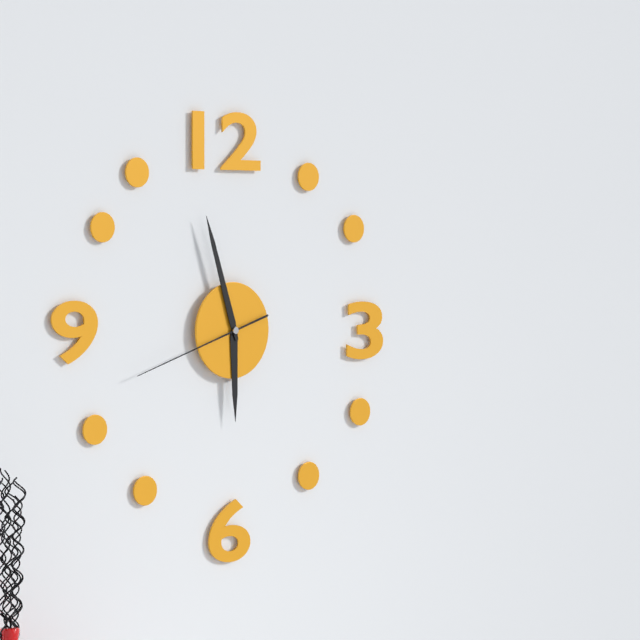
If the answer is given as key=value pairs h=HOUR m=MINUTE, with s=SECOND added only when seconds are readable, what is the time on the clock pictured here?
h=5 m=57 s=42
